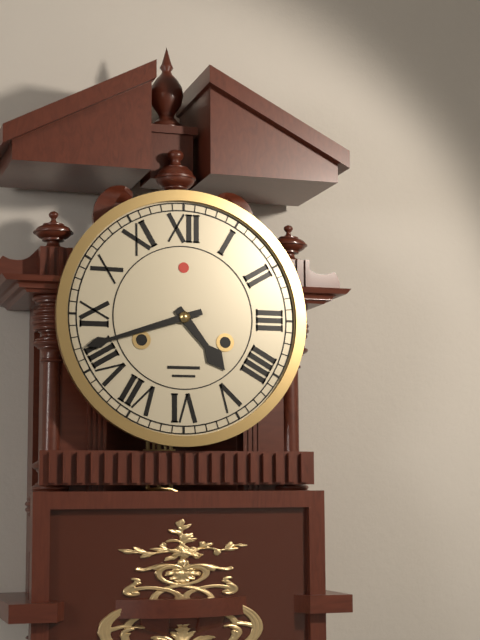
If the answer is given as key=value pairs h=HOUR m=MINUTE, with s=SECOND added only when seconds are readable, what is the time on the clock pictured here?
h=4 m=42
